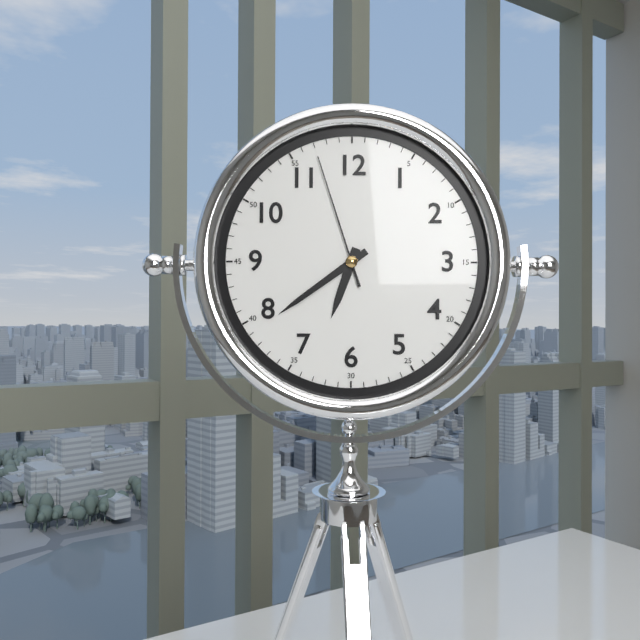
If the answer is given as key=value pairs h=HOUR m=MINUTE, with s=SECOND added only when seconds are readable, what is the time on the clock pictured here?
h=6 m=39 s=57
